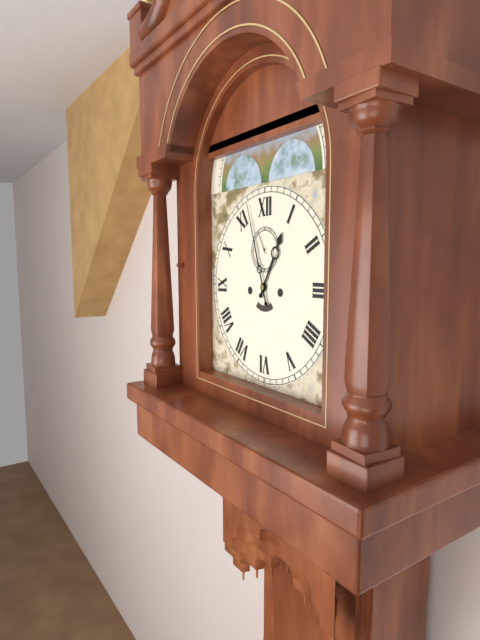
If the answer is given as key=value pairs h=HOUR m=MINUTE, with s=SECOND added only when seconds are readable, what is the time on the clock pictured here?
h=12 m=57
